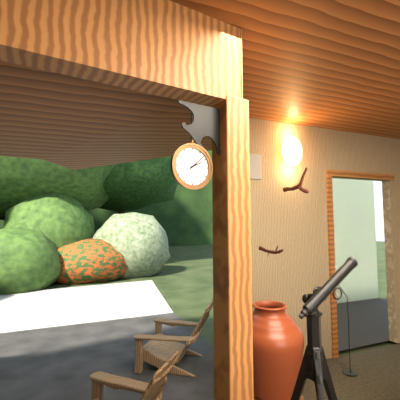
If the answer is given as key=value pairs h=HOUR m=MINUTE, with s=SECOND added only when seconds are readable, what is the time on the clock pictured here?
h=2 m=8
